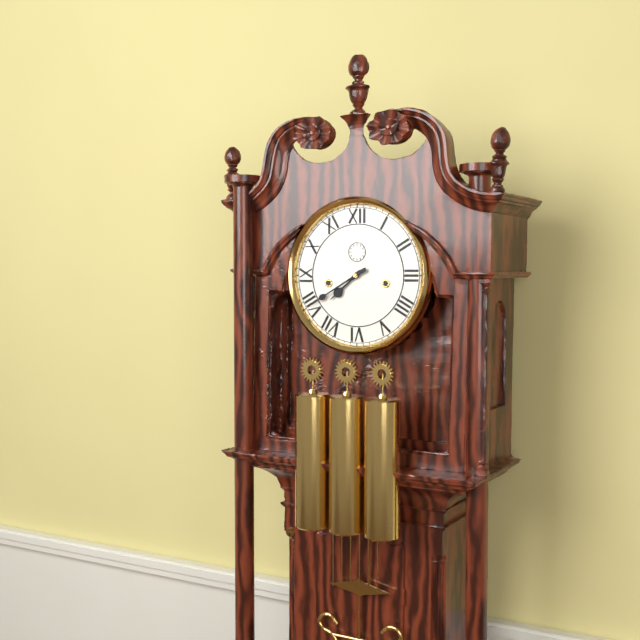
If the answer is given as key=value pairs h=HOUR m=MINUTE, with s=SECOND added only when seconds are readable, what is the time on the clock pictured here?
h=7 m=40
